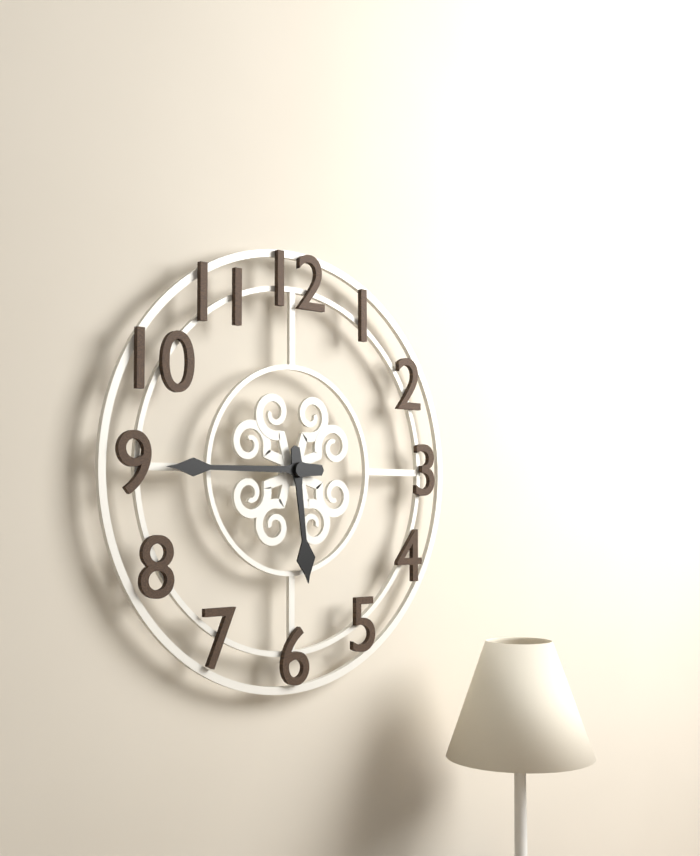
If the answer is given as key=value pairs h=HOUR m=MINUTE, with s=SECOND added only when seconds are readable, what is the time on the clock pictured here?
h=5 m=45
